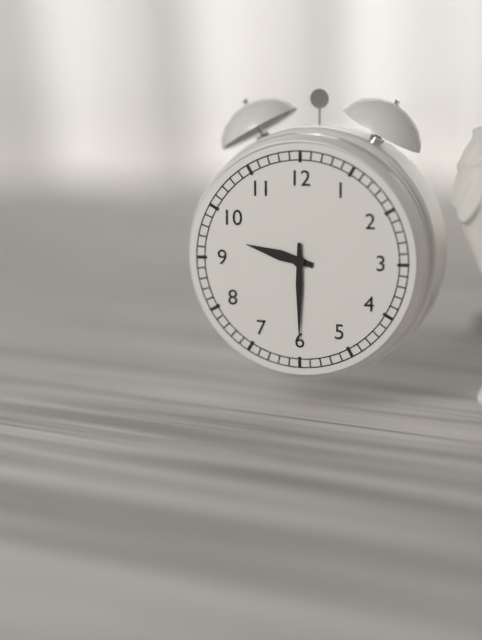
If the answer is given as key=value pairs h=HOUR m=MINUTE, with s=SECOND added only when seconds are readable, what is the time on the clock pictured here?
h=9 m=30
